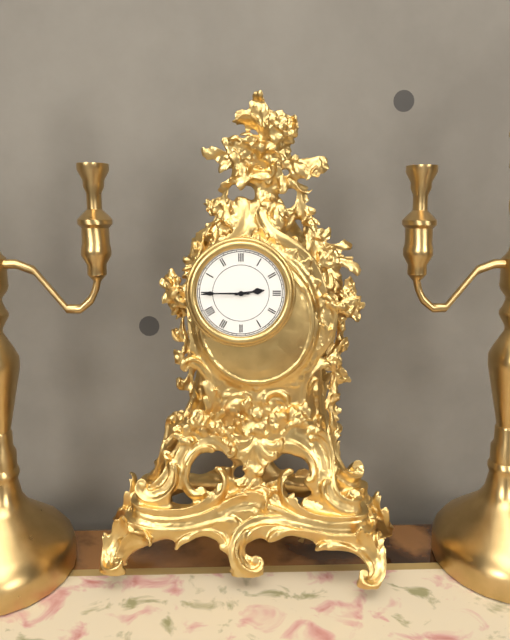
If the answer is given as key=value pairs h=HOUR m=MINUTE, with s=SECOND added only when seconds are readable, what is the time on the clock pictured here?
h=2 m=45
